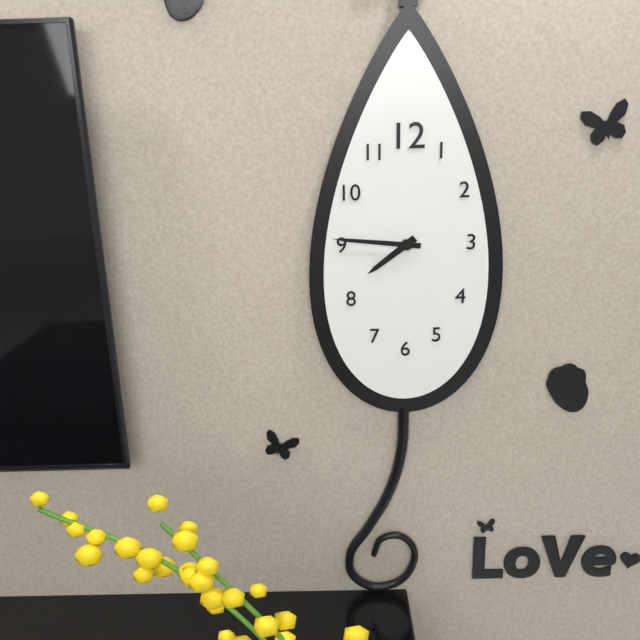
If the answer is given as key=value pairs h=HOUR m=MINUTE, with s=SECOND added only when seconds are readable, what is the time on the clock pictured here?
h=7 m=46
